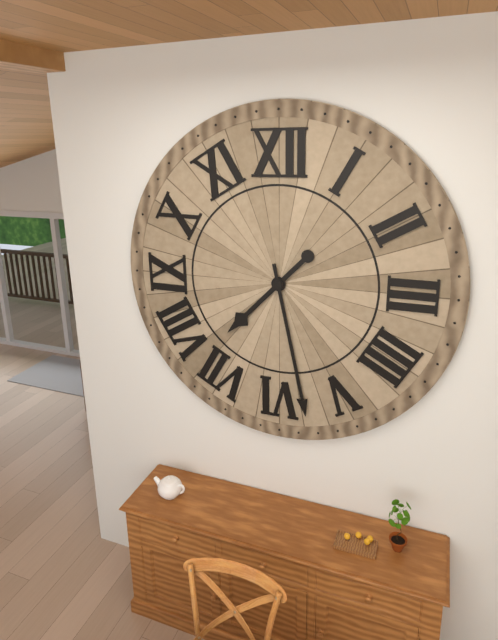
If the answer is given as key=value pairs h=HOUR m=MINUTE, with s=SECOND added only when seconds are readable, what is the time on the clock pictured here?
h=7 m=28
